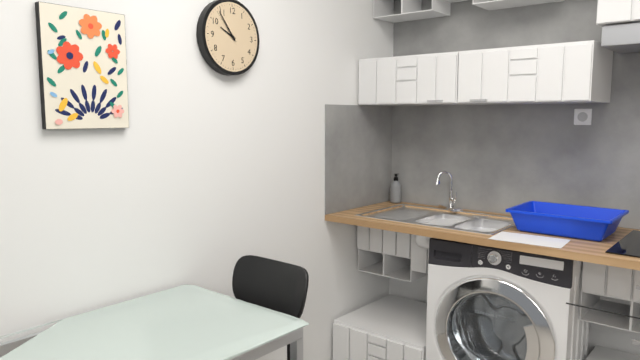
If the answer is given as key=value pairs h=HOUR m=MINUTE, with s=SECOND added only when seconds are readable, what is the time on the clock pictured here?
h=9 m=54
